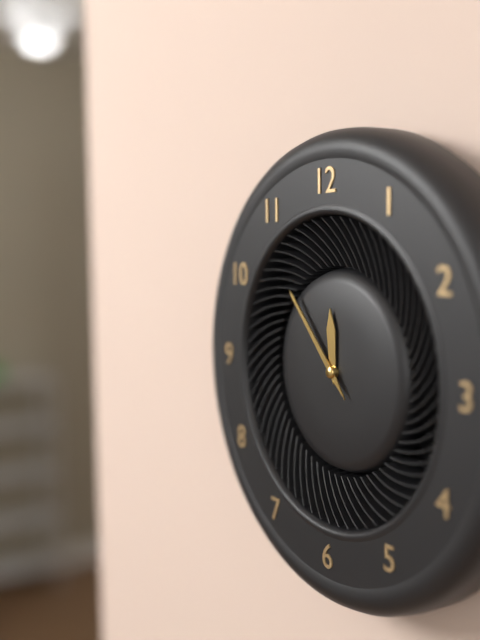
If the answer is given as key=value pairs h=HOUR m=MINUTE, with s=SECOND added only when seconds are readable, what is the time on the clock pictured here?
h=11 m=53
